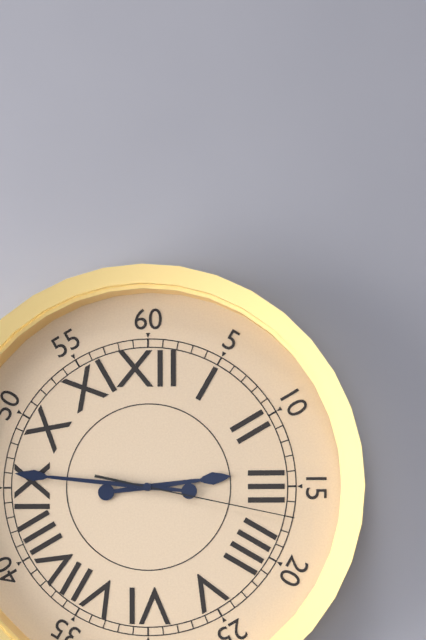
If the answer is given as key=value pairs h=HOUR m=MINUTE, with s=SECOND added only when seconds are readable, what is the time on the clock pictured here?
h=2 m=46 s=17
